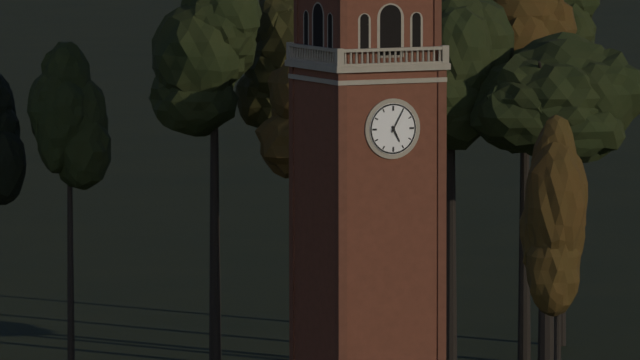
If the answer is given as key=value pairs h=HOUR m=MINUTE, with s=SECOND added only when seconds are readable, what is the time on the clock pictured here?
h=5 m=5
